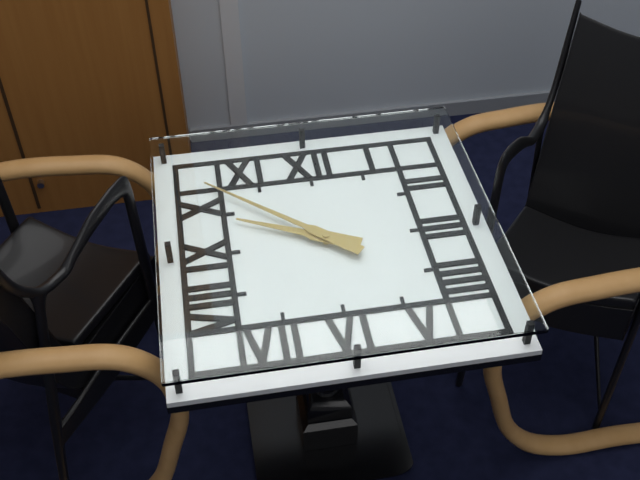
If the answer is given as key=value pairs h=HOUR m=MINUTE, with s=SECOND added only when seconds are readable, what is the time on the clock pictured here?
h=9 m=52
